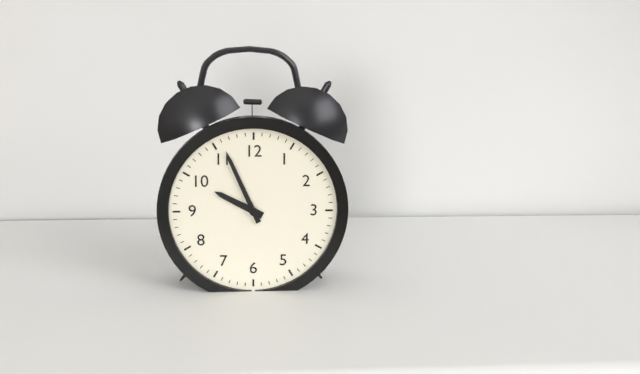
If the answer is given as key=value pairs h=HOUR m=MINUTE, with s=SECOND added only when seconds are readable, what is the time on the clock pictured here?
h=9 m=56
